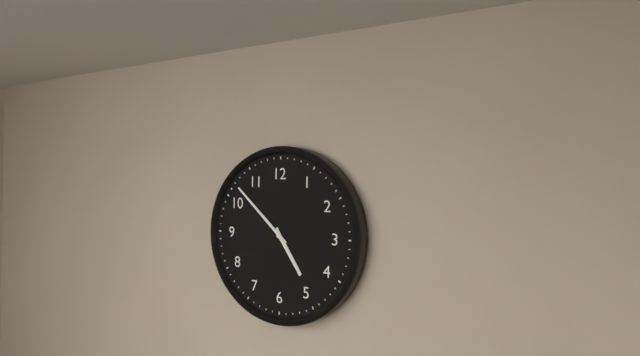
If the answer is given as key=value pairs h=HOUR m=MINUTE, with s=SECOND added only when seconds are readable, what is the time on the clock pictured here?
h=4 m=52
